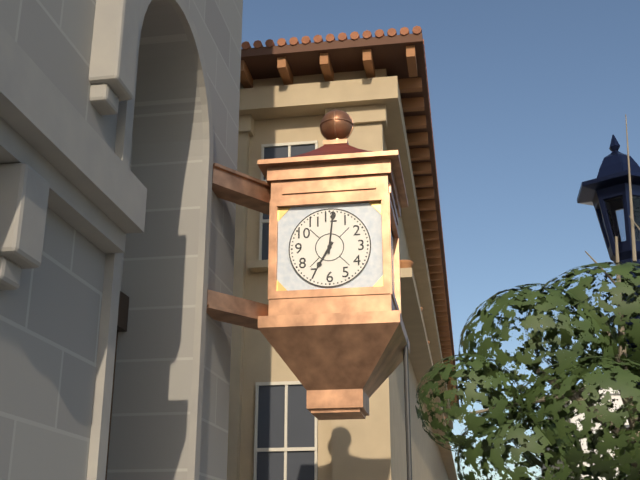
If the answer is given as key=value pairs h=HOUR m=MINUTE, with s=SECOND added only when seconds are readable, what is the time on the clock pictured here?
h=7 m=1
